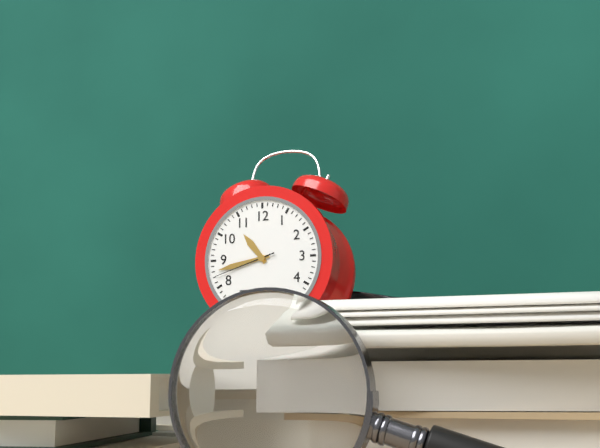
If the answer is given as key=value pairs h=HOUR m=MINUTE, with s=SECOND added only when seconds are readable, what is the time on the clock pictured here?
h=10 m=43 s=42
